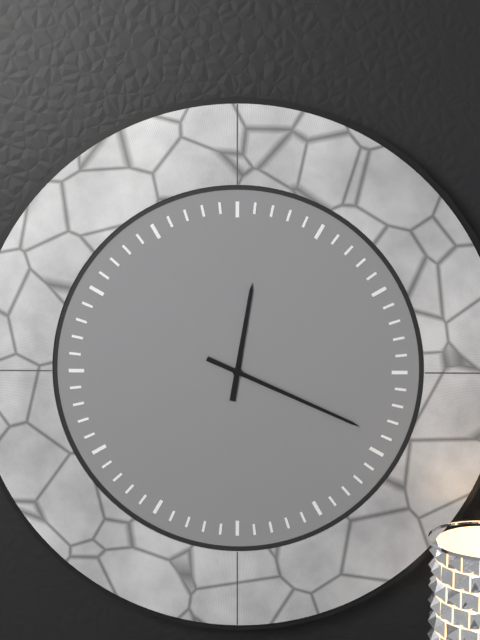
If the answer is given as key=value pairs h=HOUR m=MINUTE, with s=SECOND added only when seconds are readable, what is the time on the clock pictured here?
h=12 m=19
